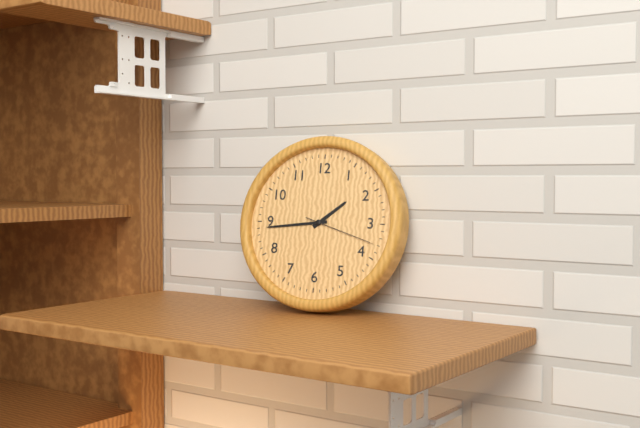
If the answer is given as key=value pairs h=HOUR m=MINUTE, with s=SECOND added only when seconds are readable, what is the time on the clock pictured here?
h=1 m=44 s=18
